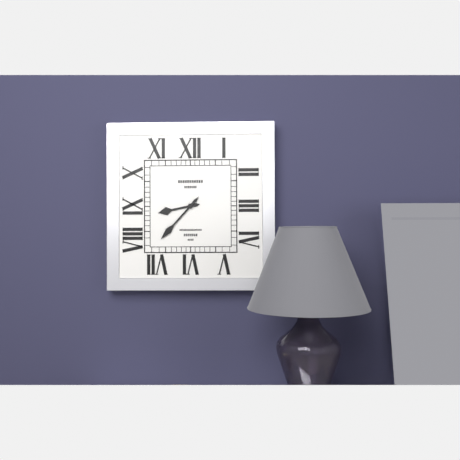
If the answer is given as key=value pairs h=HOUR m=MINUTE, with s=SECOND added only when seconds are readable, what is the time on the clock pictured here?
h=8 m=37
